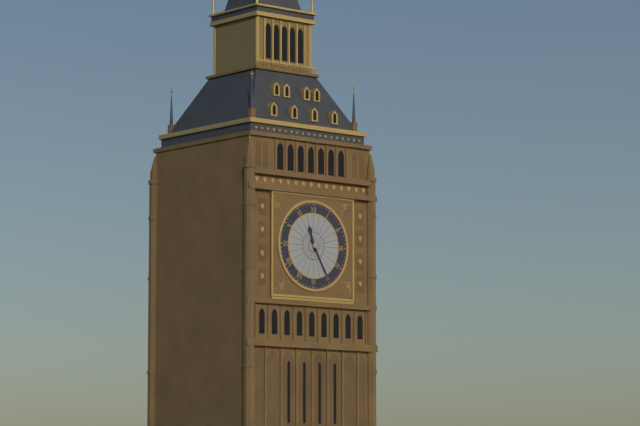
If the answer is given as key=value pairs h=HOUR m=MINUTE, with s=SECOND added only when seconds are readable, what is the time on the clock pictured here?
h=11 m=25
